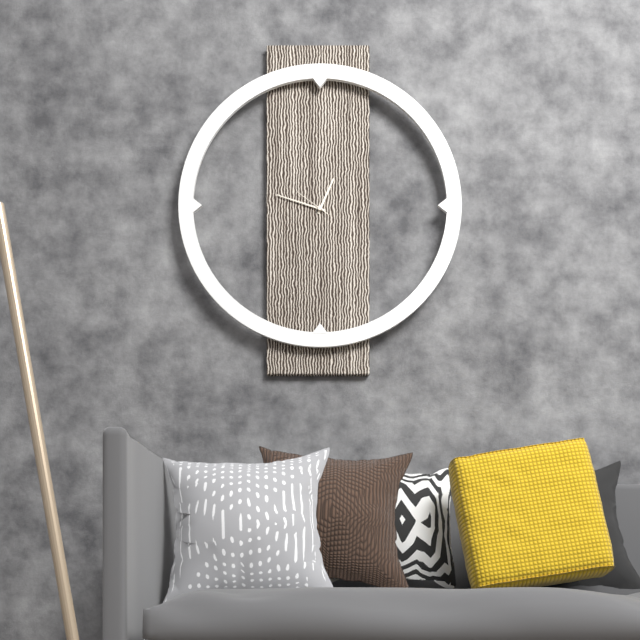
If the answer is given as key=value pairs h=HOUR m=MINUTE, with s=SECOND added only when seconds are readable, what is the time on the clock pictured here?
h=12 m=48
